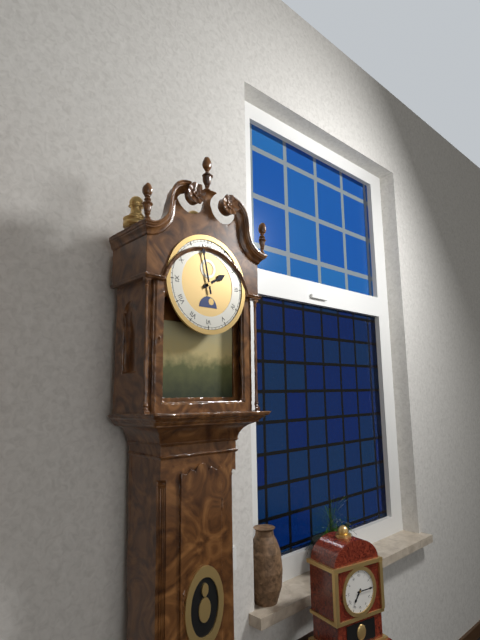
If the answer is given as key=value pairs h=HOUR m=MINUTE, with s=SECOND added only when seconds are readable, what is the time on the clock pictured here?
h=1 m=58
